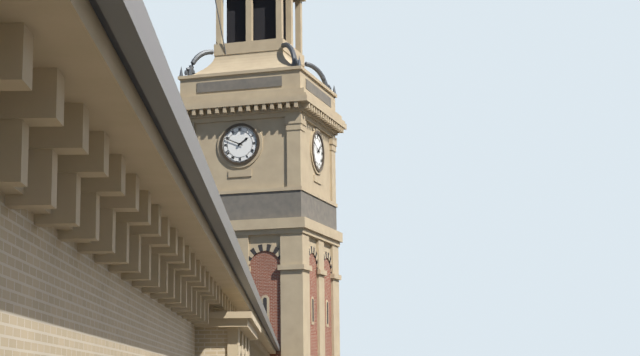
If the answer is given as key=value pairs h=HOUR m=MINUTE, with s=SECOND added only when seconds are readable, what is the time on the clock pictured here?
h=1 m=49
